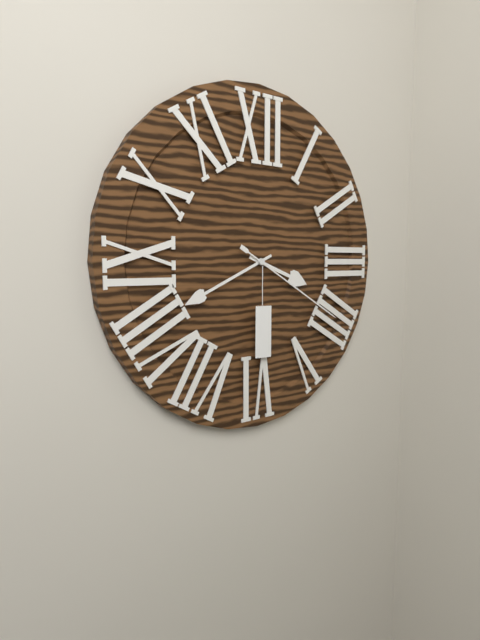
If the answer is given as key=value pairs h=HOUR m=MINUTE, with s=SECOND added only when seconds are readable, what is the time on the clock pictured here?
h=3 m=41 s=20
